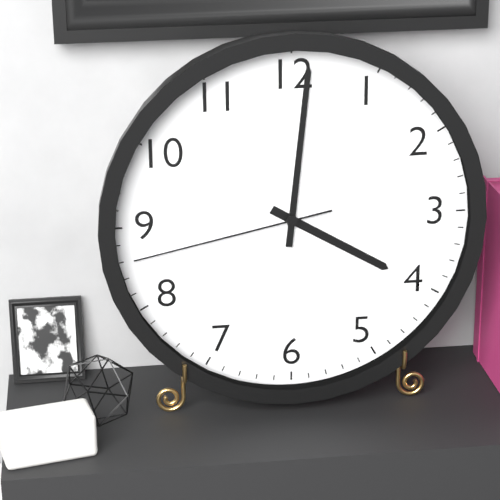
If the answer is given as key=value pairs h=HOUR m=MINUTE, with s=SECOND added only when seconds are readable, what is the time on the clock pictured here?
h=4 m=1 s=43
